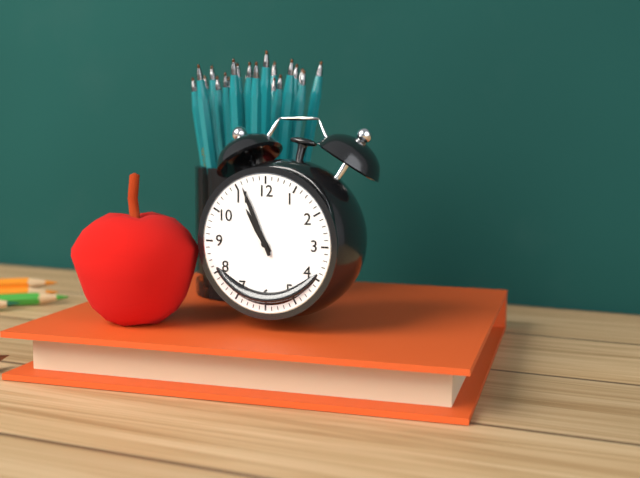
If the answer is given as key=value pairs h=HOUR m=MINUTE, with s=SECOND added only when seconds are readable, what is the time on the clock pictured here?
h=10 m=56
